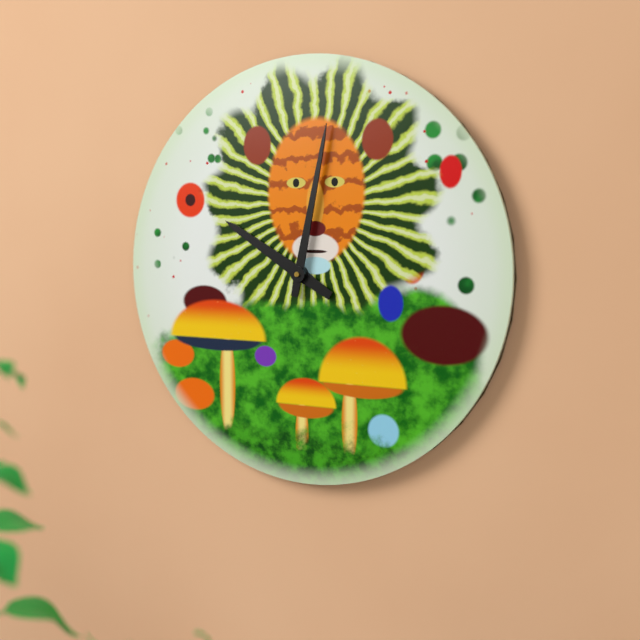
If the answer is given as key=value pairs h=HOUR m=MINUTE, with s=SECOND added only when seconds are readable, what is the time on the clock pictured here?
h=10 m=2
